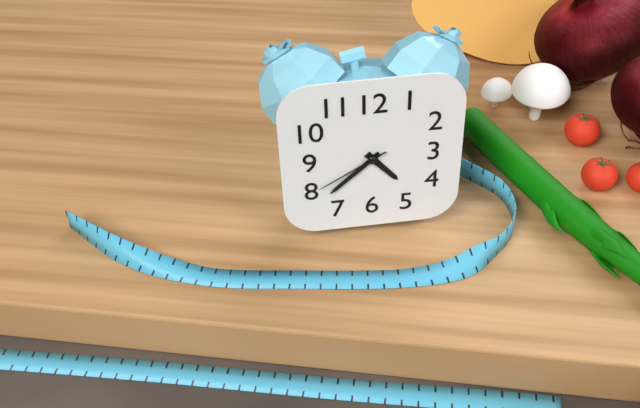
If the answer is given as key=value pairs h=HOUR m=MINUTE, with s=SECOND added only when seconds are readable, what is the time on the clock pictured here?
h=4 m=38 s=40
